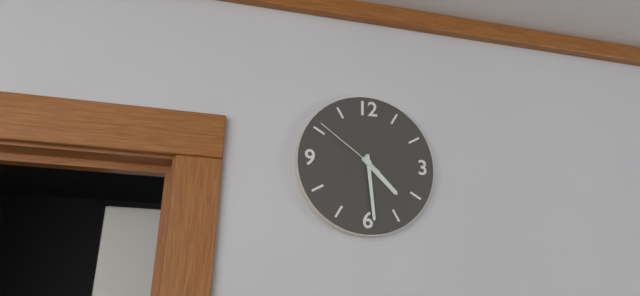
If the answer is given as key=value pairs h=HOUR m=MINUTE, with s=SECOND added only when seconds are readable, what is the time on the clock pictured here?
h=4 m=29 s=51
